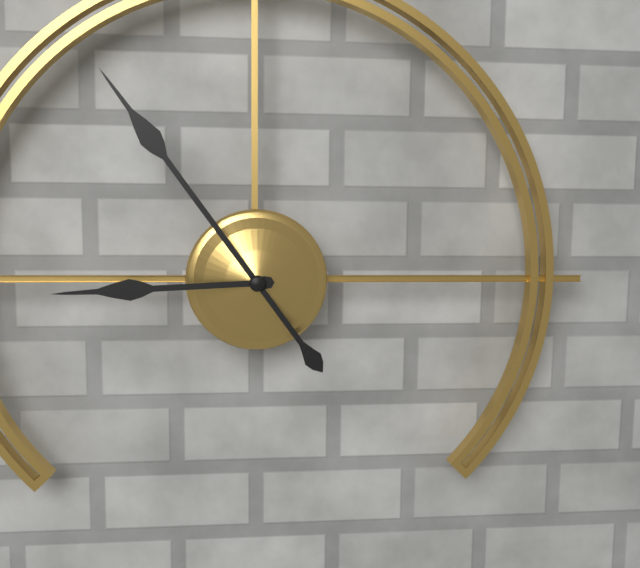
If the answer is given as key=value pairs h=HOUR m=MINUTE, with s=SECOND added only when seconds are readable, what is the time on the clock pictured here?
h=8 m=54
